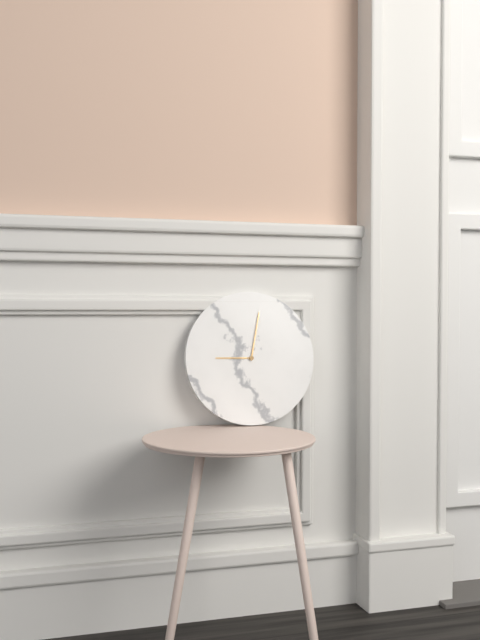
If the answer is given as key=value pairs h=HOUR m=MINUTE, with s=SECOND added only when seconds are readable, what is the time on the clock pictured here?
h=9 m=2
